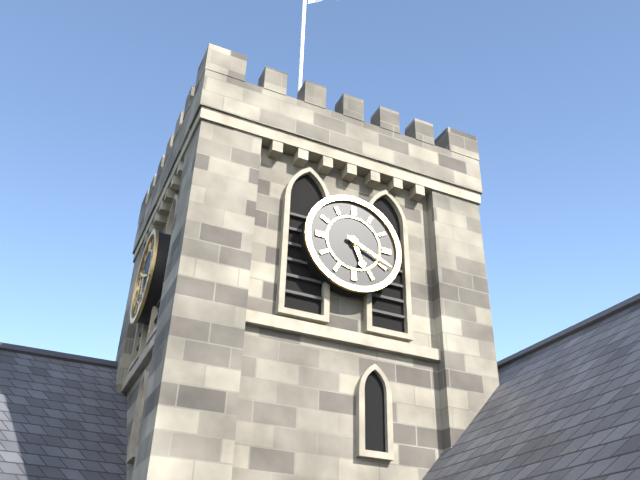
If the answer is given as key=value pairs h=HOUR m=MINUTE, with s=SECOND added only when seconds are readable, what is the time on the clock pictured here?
h=5 m=19
